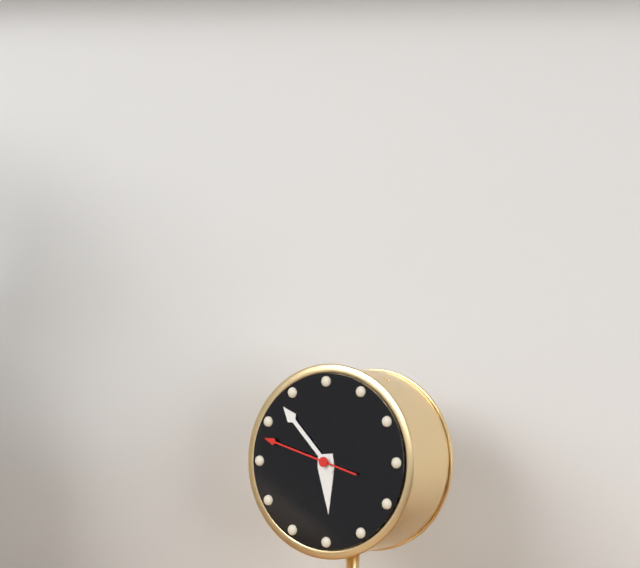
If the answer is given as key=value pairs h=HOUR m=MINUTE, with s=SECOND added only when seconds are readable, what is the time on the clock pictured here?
h=5 m=53 s=48
